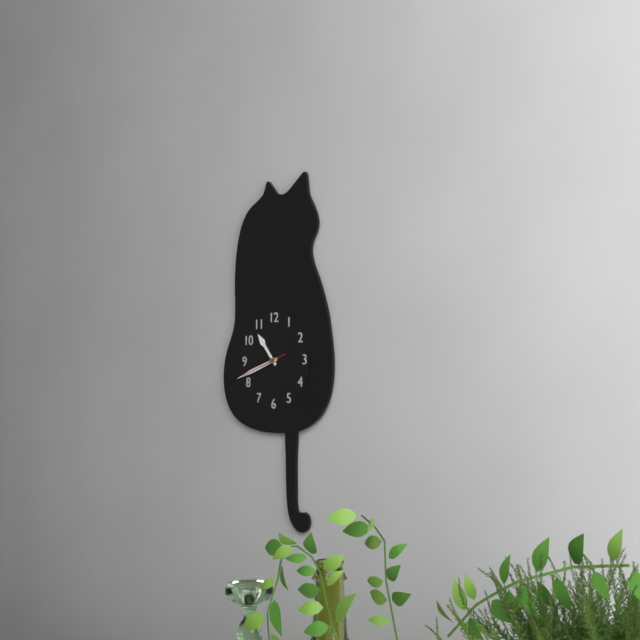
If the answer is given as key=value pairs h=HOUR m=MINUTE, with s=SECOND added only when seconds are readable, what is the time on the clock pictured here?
h=10 m=42
